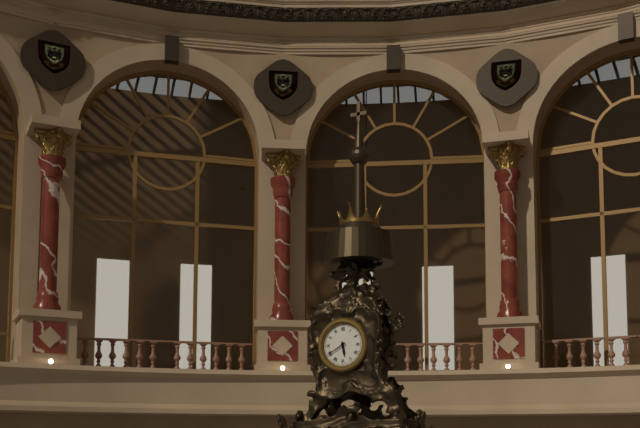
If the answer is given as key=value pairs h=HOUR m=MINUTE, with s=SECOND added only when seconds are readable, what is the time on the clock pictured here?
h=5 m=40
